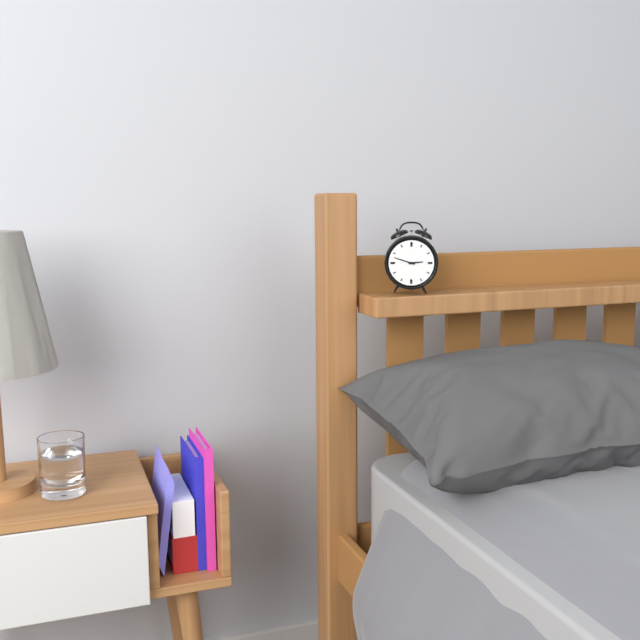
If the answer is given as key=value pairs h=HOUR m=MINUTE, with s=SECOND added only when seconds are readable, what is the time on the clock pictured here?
h=2 m=48
